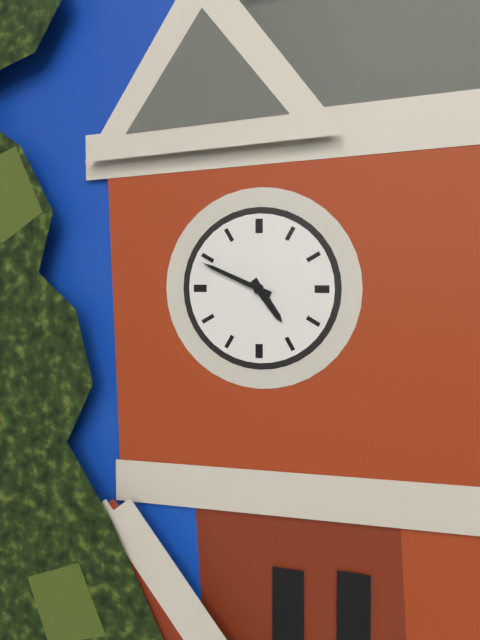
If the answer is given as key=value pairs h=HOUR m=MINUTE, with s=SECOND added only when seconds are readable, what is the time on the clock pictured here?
h=4 m=49
